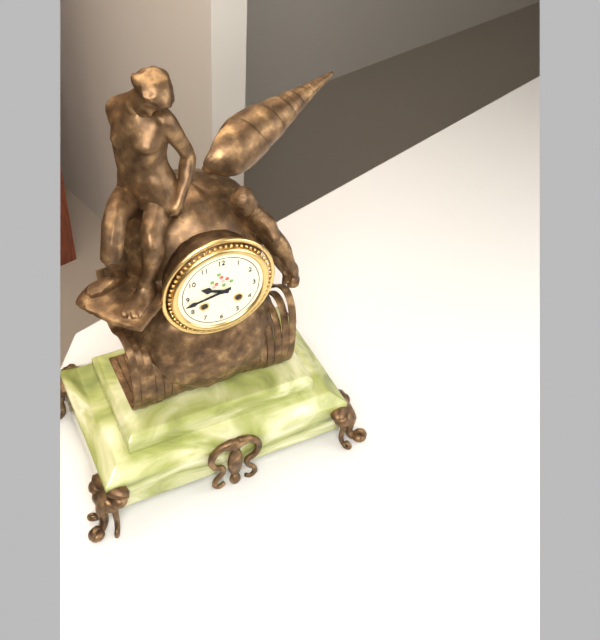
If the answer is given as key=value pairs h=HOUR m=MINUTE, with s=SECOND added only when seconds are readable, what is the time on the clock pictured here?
h=9 m=43
